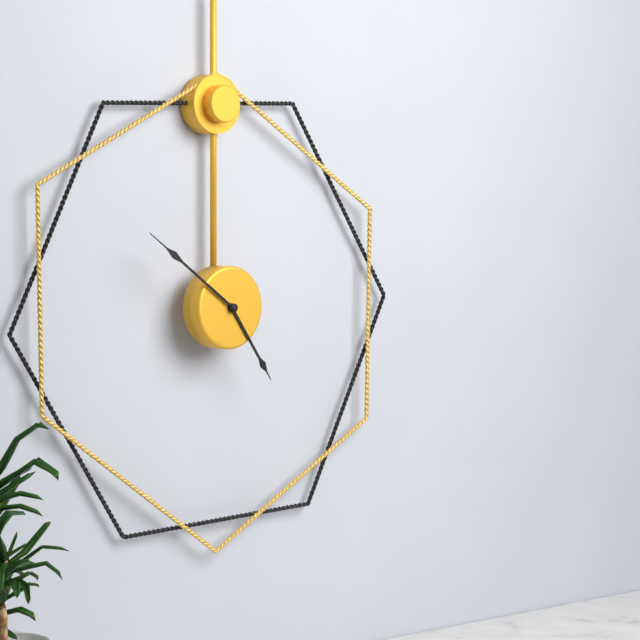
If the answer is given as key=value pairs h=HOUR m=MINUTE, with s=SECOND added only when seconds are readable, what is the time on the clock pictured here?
h=4 m=51
